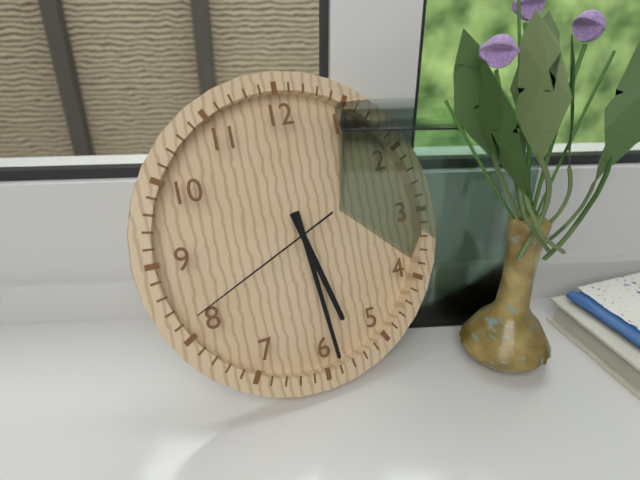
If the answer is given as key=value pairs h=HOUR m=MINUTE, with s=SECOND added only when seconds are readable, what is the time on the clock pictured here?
h=5 m=29 s=41
